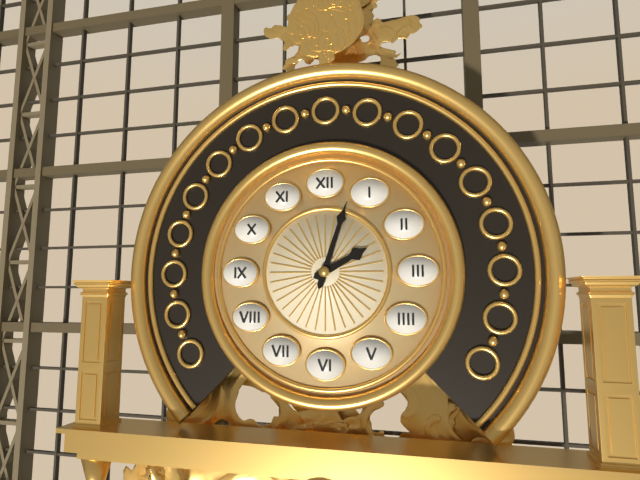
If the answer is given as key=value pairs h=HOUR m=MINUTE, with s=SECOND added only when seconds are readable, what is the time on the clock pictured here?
h=2 m=3
